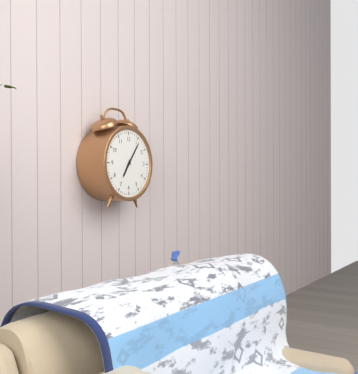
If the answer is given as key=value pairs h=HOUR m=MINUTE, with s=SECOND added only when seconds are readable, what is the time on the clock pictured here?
h=7 m=6
